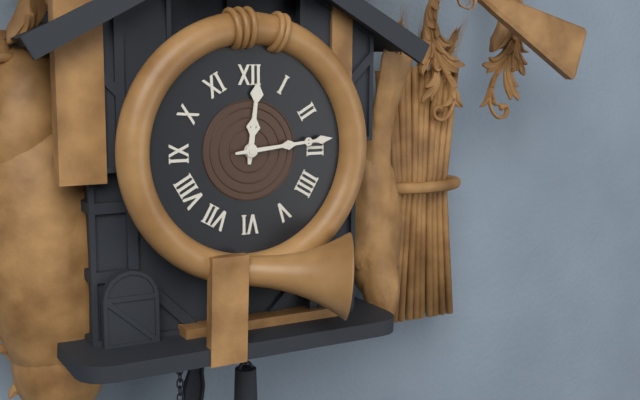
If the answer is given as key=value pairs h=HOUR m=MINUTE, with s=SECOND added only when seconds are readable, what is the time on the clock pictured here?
h=12 m=14
